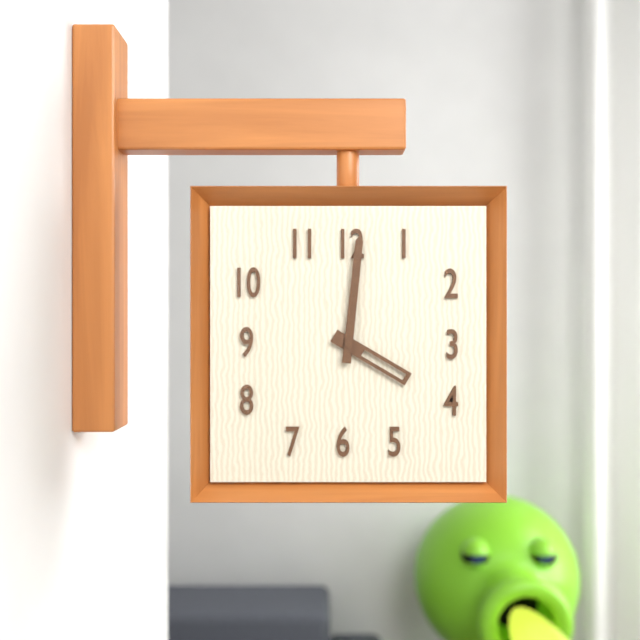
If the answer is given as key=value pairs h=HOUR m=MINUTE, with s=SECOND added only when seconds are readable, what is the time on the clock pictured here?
h=4 m=1
